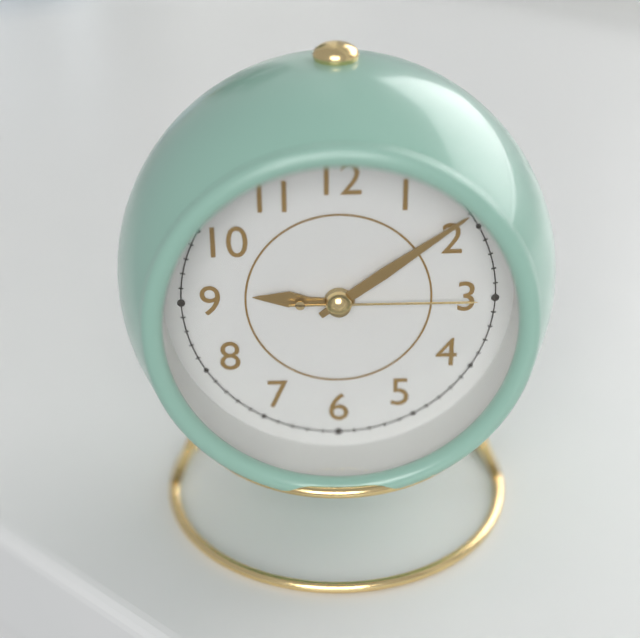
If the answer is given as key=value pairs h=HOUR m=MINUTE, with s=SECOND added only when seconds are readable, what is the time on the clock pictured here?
h=9 m=9 s=15
